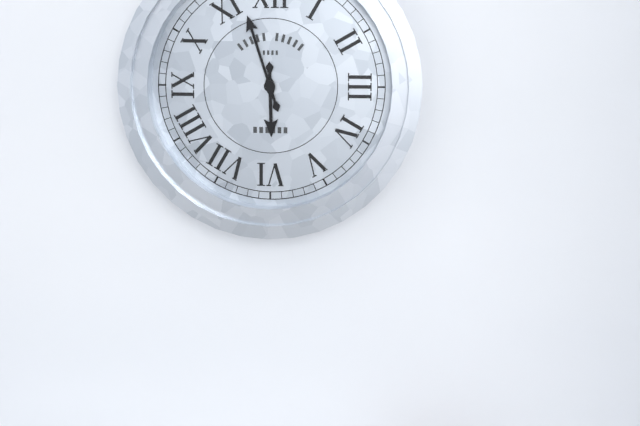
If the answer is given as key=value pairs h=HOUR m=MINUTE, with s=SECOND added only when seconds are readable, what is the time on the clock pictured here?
h=5 m=57
